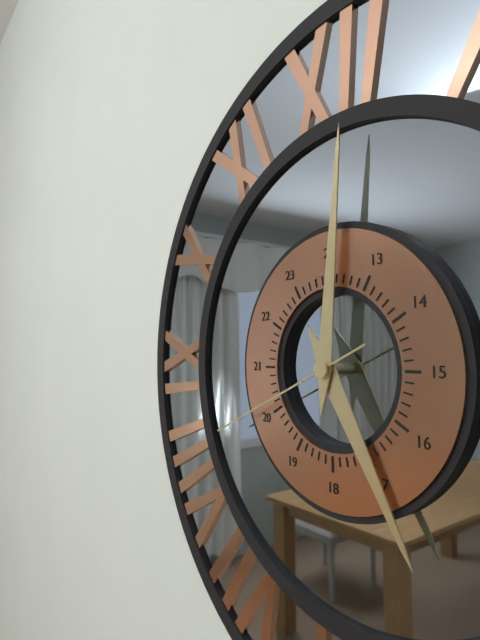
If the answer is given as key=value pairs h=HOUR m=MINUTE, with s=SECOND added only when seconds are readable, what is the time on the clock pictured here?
h=5 m=1 s=41
